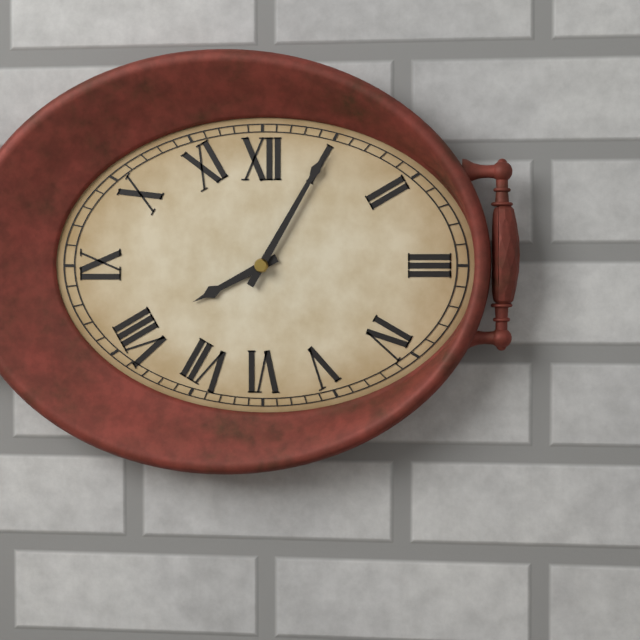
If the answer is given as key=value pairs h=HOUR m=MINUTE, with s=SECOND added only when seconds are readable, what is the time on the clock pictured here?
h=8 m=5
